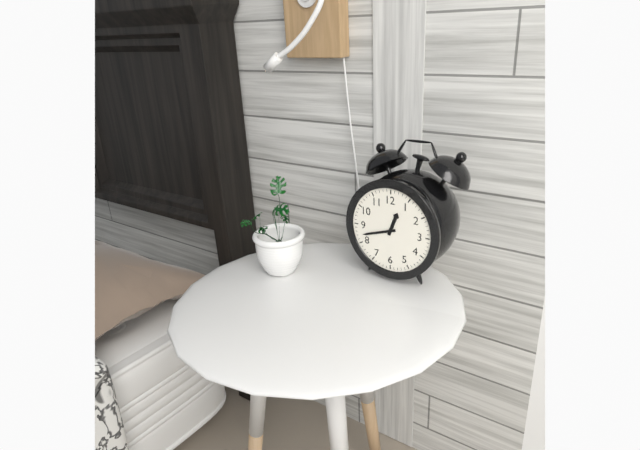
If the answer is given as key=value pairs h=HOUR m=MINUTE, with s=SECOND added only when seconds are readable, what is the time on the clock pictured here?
h=12 m=42
